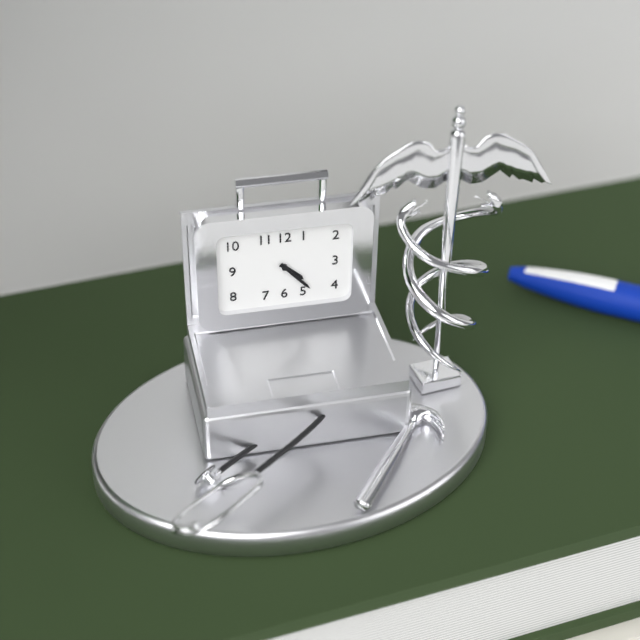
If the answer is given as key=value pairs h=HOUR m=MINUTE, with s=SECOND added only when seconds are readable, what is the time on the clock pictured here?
h=4 m=23
